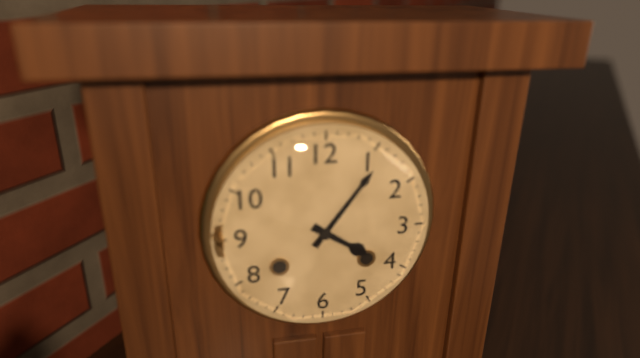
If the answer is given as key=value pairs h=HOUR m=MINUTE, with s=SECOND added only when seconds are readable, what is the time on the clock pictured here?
h=4 m=6
